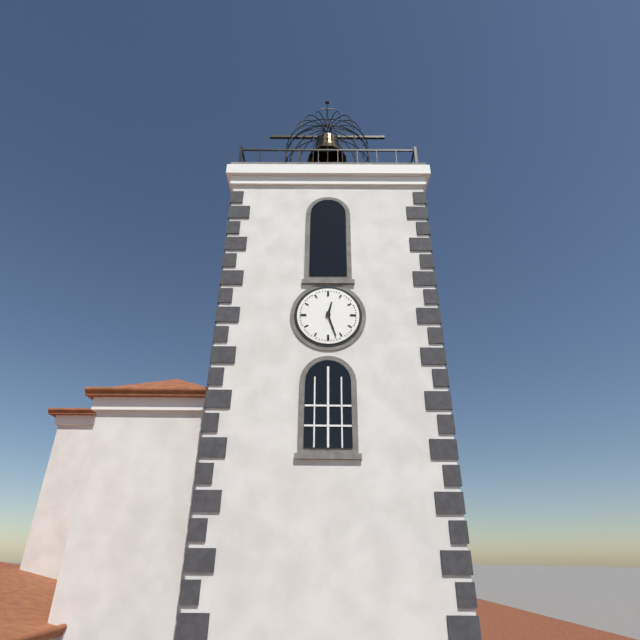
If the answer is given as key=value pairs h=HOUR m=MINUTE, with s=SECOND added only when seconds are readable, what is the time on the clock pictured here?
h=12 m=27
